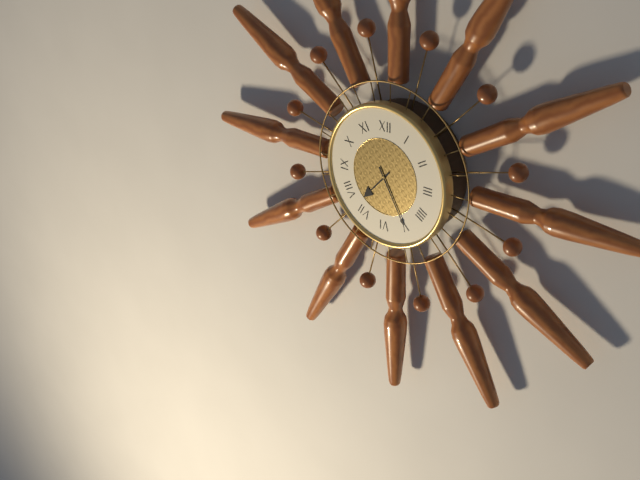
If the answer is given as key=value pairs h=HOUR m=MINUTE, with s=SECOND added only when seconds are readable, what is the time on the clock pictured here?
h=7 m=25
